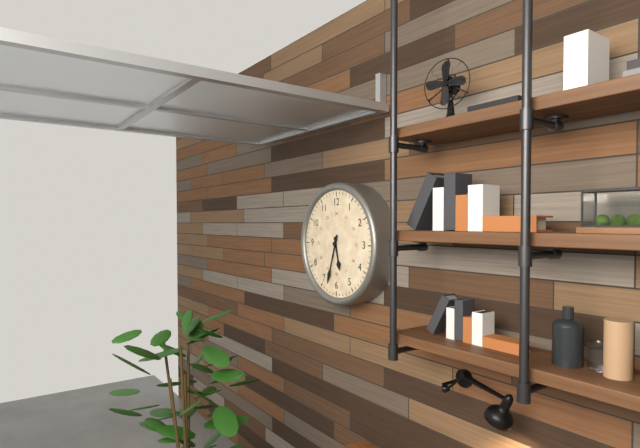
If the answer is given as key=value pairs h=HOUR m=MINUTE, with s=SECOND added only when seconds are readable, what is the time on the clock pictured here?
h=5 m=33
